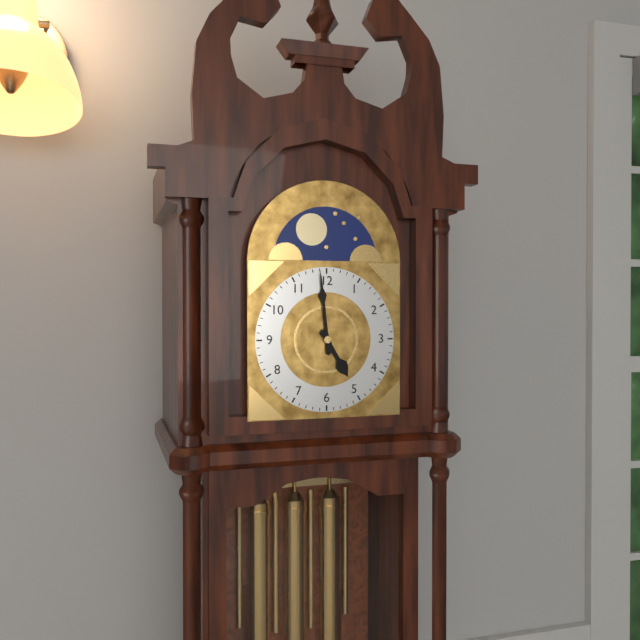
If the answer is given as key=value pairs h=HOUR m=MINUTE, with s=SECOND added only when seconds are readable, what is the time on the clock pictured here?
h=4 m=59
